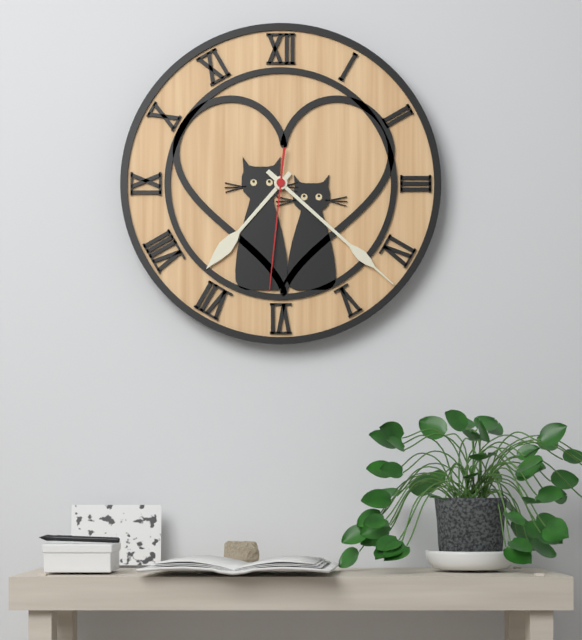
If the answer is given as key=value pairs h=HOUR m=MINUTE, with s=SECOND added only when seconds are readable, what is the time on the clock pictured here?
h=7 m=22 s=31
